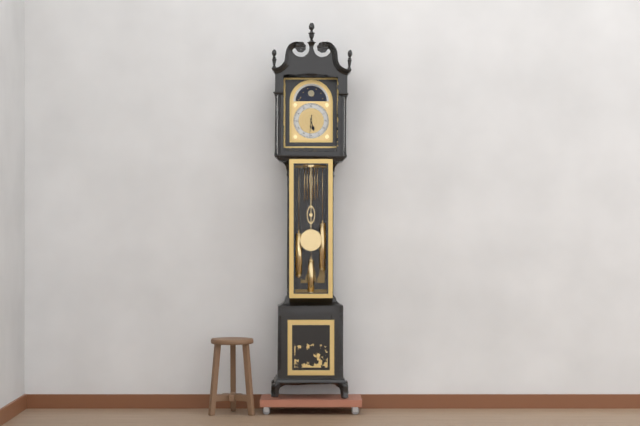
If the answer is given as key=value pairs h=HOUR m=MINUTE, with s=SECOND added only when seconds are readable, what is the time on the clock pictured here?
h=5 m=31
